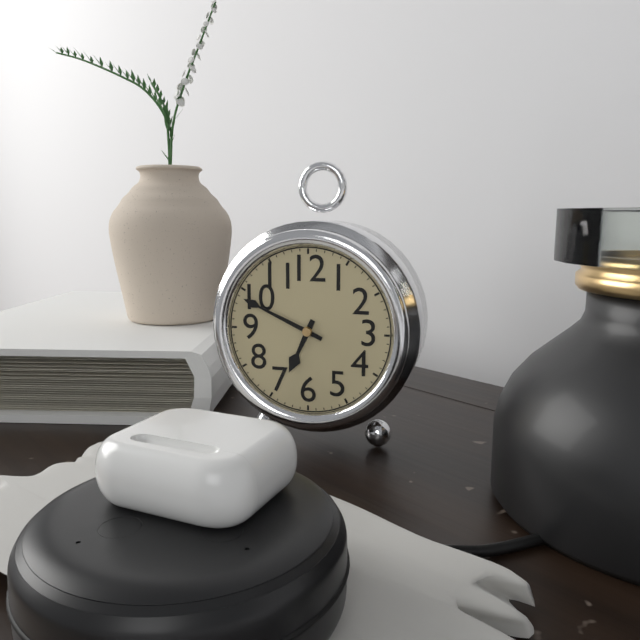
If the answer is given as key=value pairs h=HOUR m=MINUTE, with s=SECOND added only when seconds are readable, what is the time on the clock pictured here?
h=6 m=49
